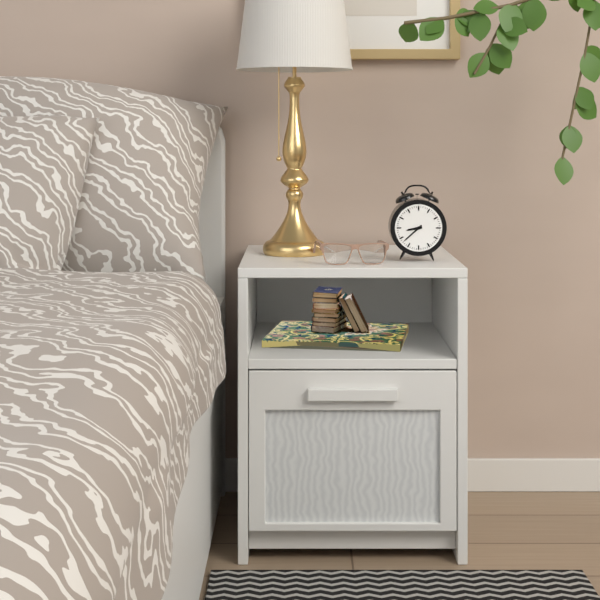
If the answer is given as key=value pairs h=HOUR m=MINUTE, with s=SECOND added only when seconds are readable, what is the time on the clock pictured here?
h=8 m=38
